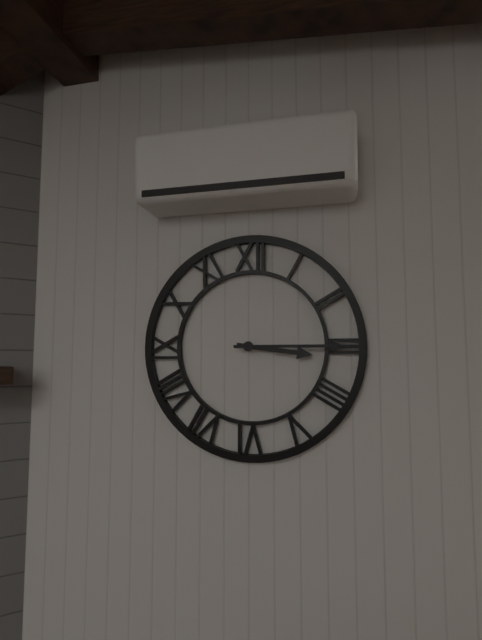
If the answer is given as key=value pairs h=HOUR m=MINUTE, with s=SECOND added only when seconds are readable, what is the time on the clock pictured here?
h=3 m=15
